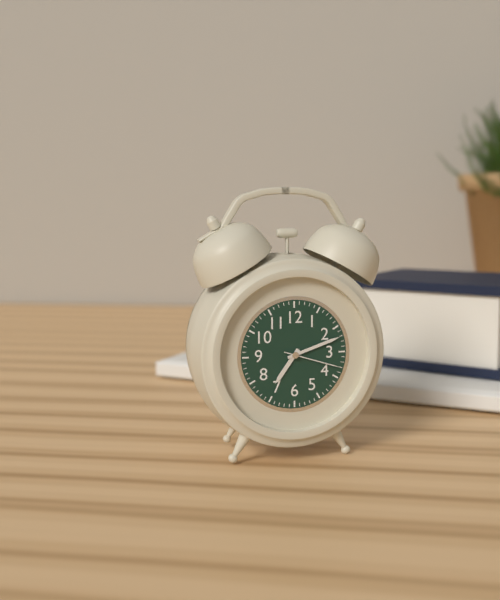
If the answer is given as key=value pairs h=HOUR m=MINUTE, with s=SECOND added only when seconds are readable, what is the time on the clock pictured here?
h=7 m=12 s=18
